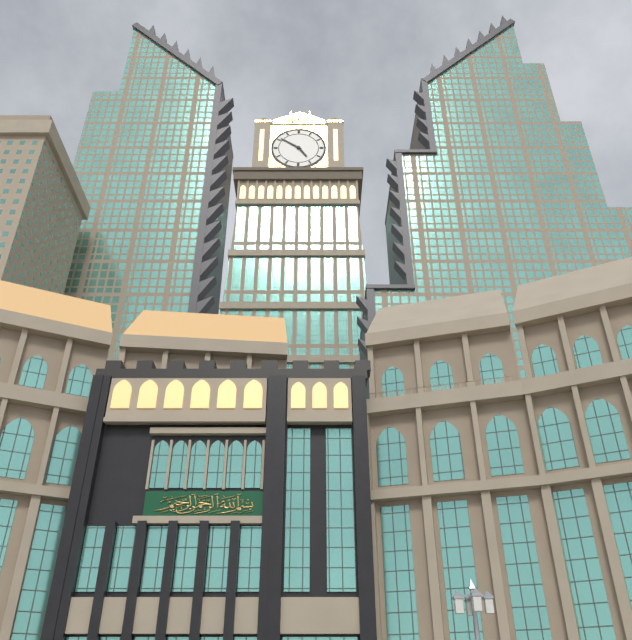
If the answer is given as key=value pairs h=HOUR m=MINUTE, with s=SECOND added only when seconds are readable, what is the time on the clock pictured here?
h=4 m=51
